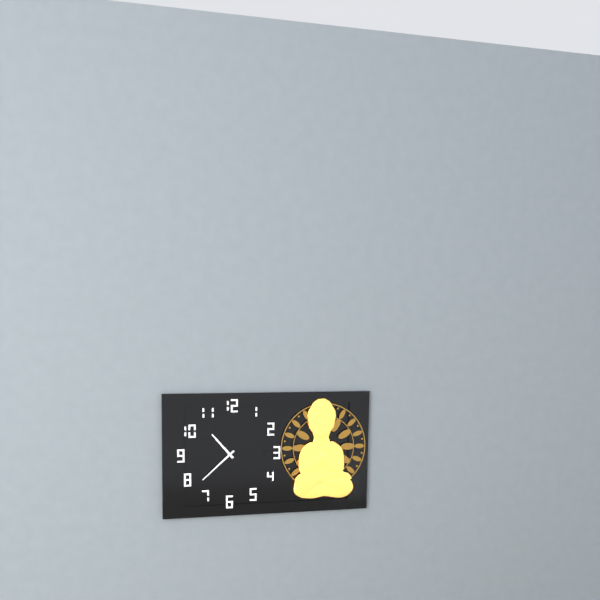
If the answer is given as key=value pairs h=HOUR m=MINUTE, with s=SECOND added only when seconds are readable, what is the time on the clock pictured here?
h=10 m=38
